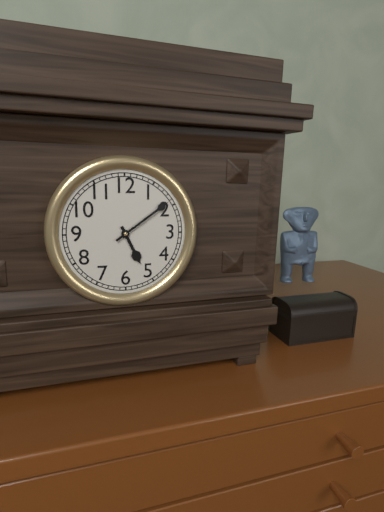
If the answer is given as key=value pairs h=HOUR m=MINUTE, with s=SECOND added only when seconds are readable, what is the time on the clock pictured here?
h=5 m=9
